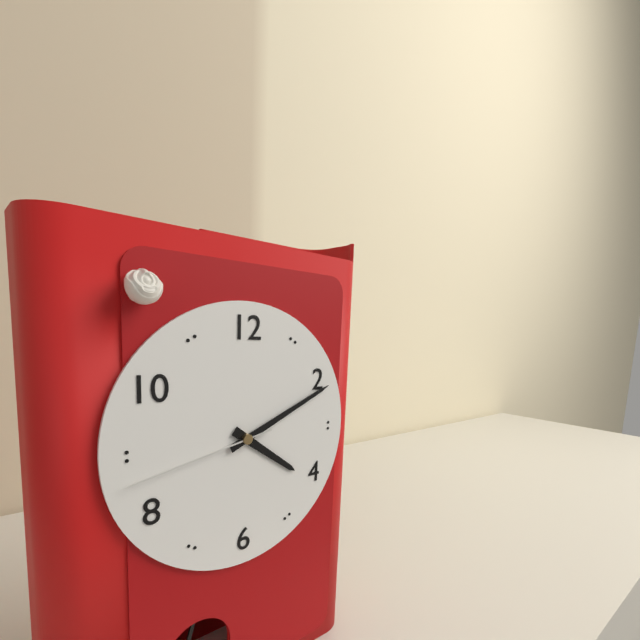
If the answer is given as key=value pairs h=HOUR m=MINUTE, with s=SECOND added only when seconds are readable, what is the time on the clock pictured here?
h=4 m=11 s=43
